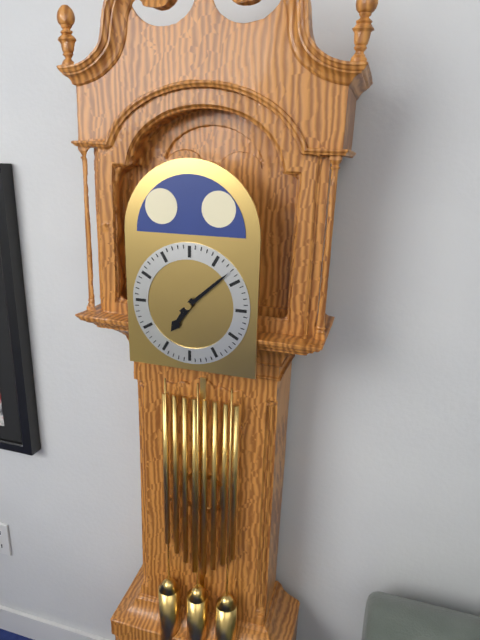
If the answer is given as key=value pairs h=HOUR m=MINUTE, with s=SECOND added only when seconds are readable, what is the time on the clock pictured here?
h=7 m=8
